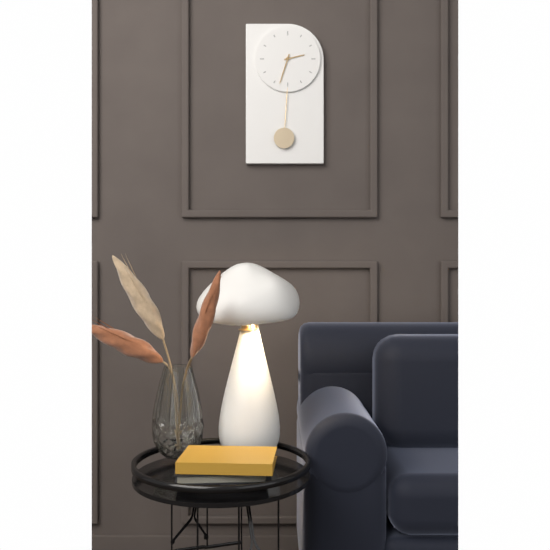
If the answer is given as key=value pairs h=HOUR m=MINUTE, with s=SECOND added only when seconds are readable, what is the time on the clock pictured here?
h=2 m=33
